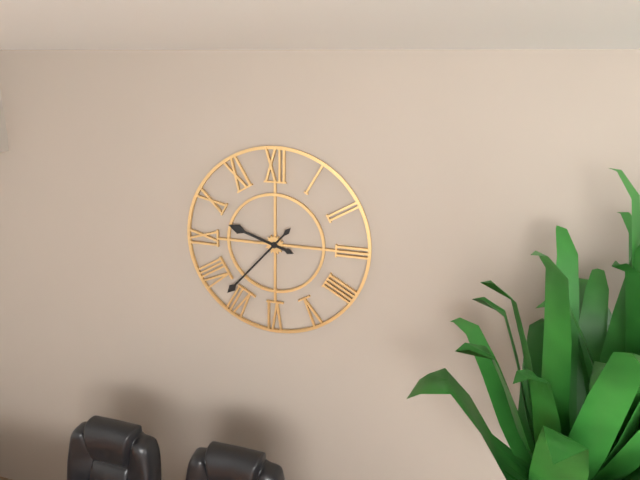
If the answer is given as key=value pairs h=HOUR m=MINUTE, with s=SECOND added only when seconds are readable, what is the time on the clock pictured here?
h=9 m=37
